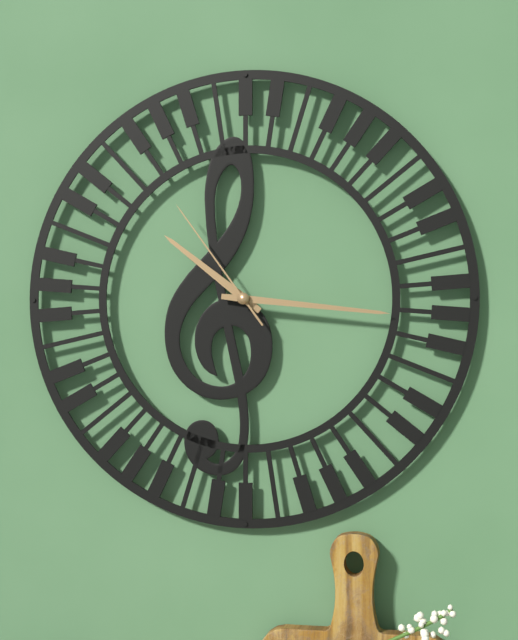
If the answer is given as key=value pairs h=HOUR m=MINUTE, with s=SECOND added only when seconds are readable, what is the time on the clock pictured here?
h=10 m=16 s=54
